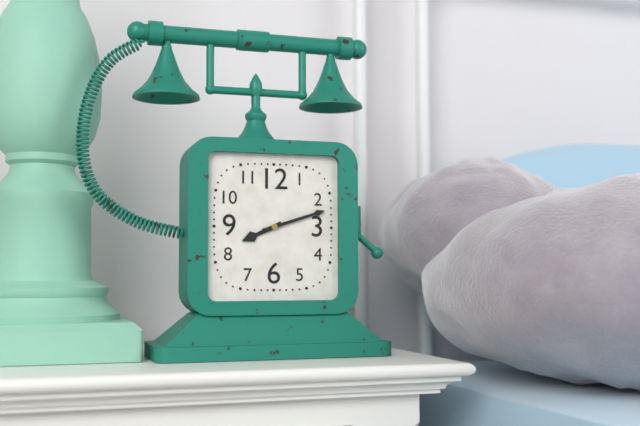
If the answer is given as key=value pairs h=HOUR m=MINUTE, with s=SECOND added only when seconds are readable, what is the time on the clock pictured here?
h=8 m=12
